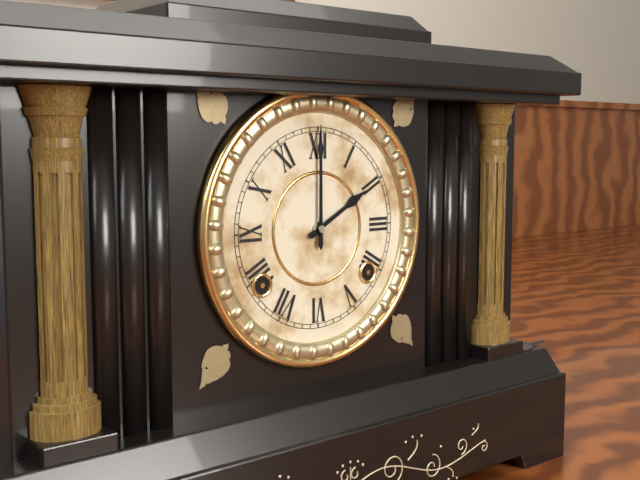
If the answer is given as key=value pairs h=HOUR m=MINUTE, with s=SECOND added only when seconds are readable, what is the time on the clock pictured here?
h=2 m=0
